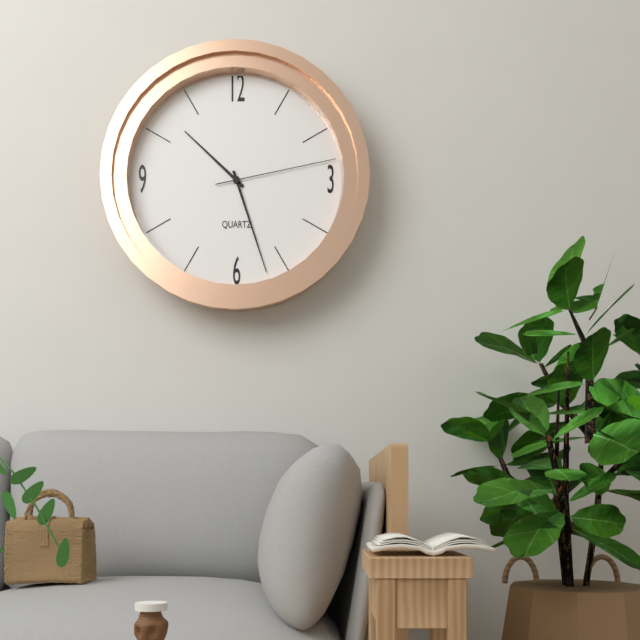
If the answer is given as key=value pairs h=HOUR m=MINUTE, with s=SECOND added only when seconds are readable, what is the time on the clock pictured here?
h=10 m=27 s=13
